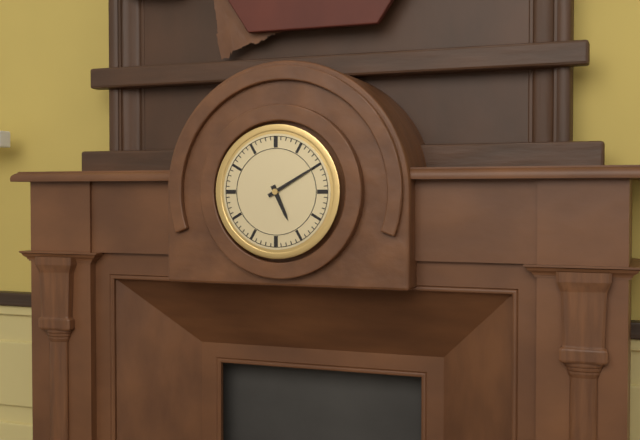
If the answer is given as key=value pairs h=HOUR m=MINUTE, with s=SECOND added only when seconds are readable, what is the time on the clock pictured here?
h=5 m=10
